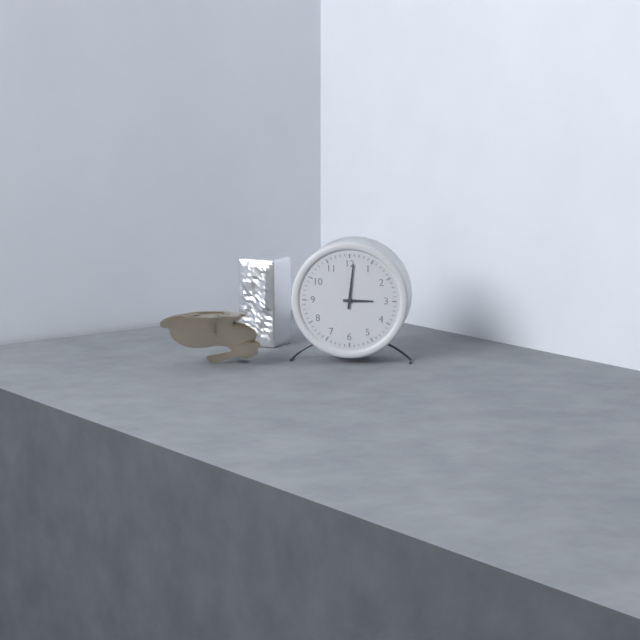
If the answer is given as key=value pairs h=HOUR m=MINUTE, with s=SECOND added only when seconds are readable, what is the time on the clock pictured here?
h=3 m=1
